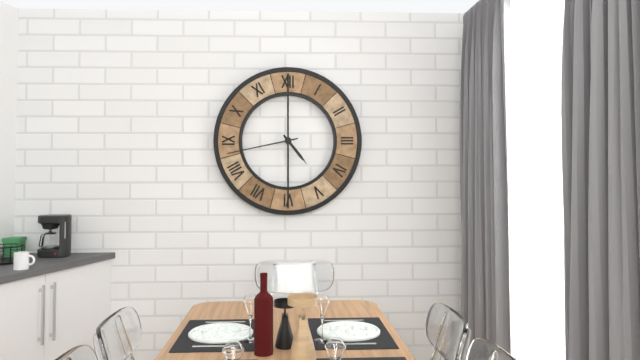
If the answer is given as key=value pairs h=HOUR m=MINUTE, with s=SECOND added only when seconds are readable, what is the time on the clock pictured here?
h=4 m=43
